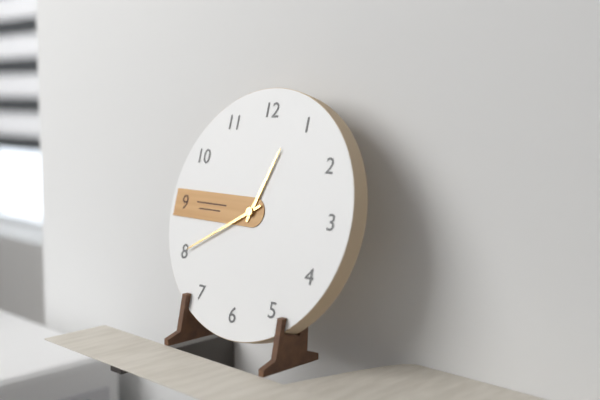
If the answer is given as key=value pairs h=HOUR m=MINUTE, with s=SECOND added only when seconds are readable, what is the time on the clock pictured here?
h=12 m=40
